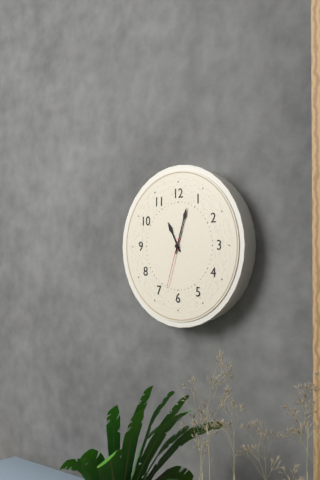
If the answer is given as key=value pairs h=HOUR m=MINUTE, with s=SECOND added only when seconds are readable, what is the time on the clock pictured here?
h=11 m=3 s=33
